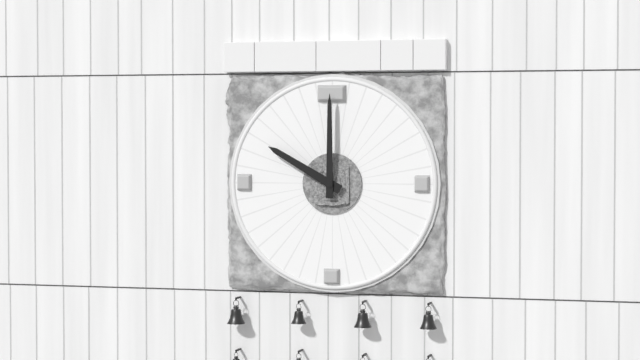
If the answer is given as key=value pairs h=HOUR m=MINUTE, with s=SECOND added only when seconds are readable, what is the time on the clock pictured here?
h=10 m=0
